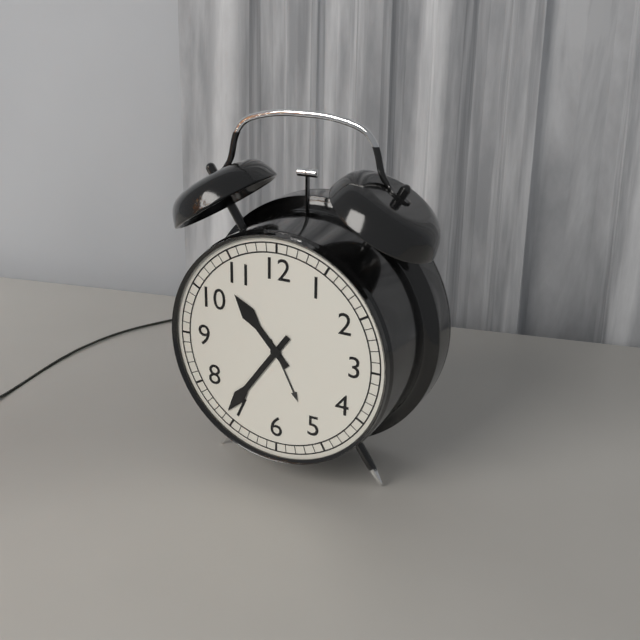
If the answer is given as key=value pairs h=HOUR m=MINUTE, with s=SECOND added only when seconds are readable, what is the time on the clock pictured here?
h=10 m=36
